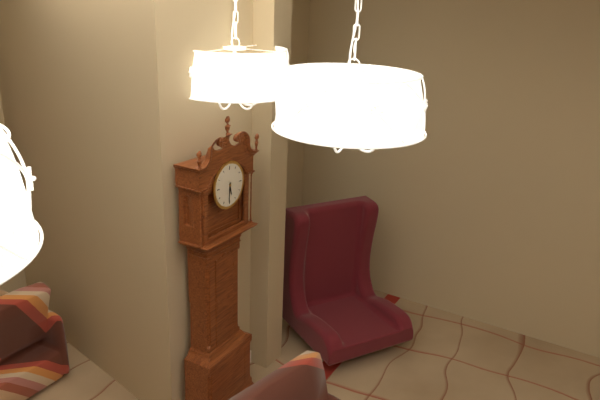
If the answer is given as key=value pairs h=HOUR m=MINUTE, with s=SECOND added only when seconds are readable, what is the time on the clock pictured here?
h=5 m=31
